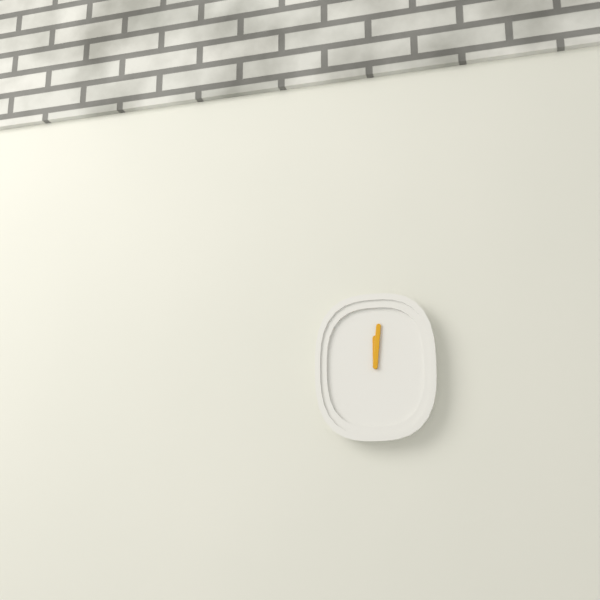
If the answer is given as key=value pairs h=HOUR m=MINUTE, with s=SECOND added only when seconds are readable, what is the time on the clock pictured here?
h=12 m=1
